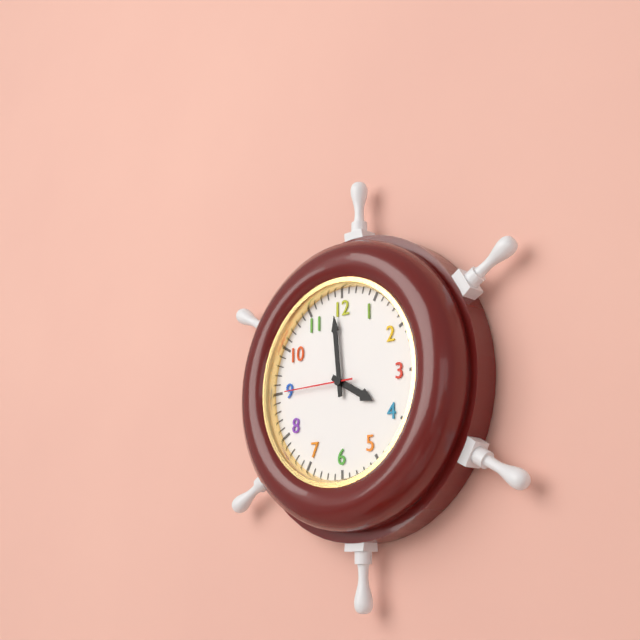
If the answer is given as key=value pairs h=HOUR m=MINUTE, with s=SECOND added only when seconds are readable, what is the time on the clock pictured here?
h=3 m=59 s=45
